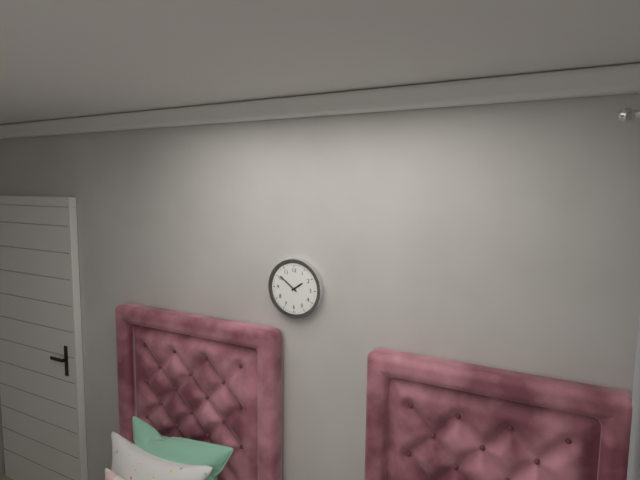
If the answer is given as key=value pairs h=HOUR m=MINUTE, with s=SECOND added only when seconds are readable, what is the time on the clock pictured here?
h=1 m=51
